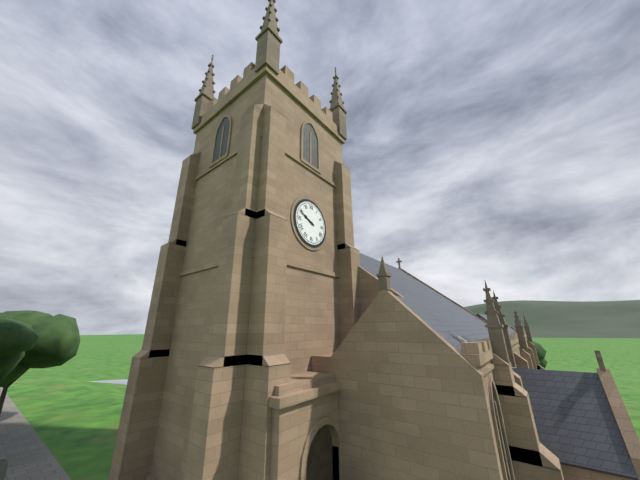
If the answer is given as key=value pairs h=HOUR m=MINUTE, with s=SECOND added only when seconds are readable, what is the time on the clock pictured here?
h=9 m=49
